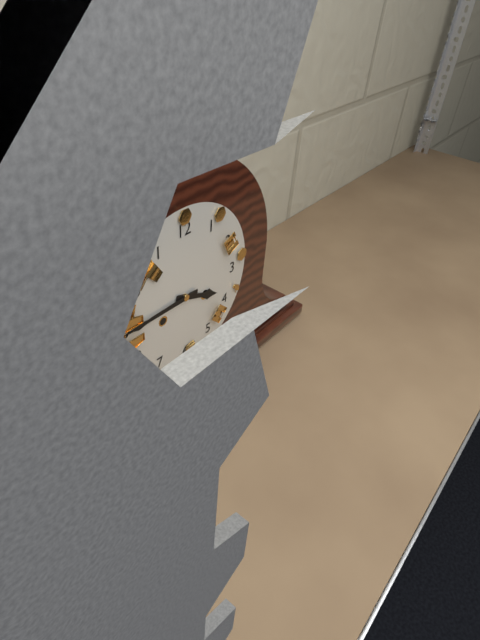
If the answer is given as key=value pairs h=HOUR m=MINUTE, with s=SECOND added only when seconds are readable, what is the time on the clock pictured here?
h=3 m=45
